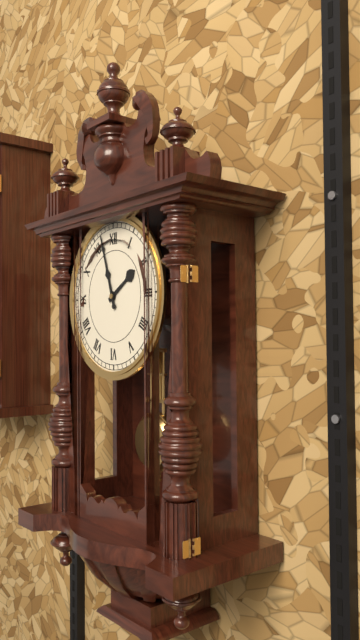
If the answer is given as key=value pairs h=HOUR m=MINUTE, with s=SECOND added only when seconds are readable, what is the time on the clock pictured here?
h=1 m=57
